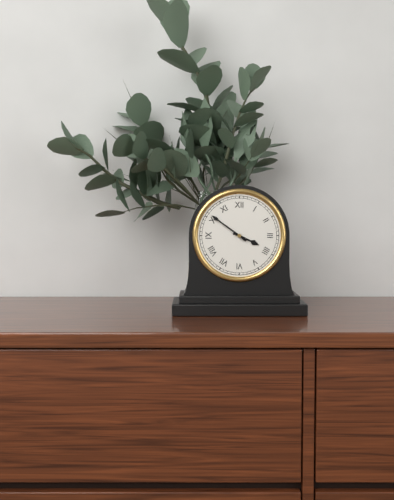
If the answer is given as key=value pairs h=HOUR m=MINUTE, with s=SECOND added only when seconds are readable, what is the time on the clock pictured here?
h=3 m=51
